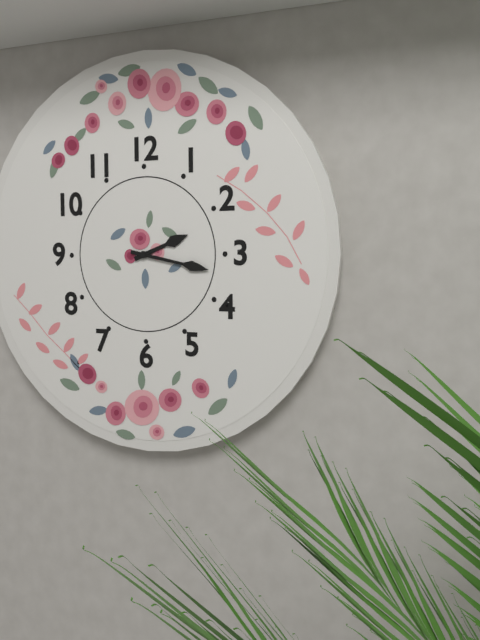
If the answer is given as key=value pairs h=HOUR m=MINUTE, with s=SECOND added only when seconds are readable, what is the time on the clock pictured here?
h=2 m=17
